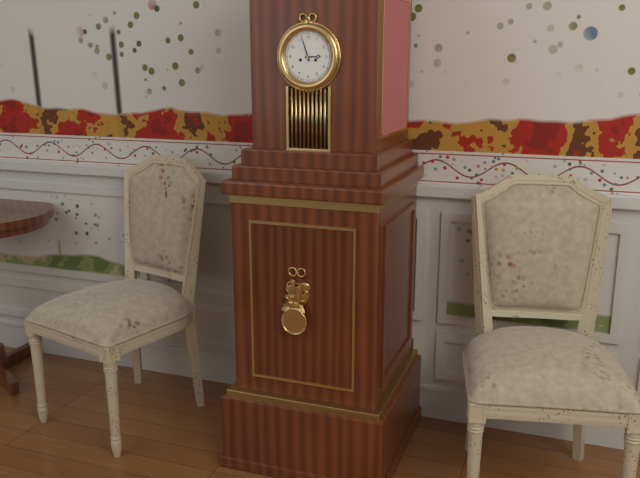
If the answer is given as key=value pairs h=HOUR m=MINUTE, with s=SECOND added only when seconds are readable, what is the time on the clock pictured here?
h=2 m=57
